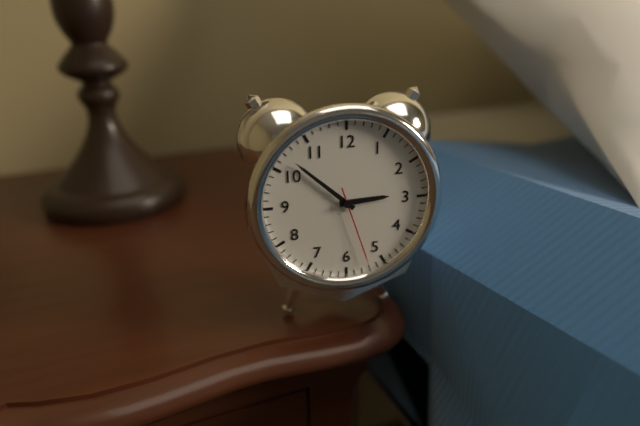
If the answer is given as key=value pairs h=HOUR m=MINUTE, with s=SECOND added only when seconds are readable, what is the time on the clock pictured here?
h=2 m=52 s=27
